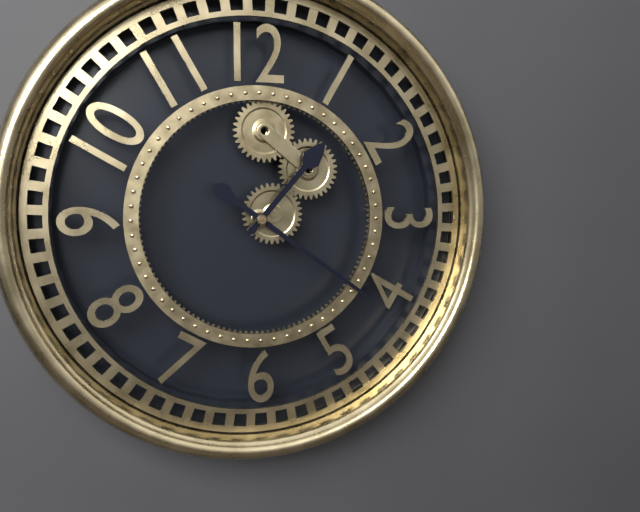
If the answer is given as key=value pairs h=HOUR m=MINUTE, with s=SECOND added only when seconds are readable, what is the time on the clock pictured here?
h=1 m=21
